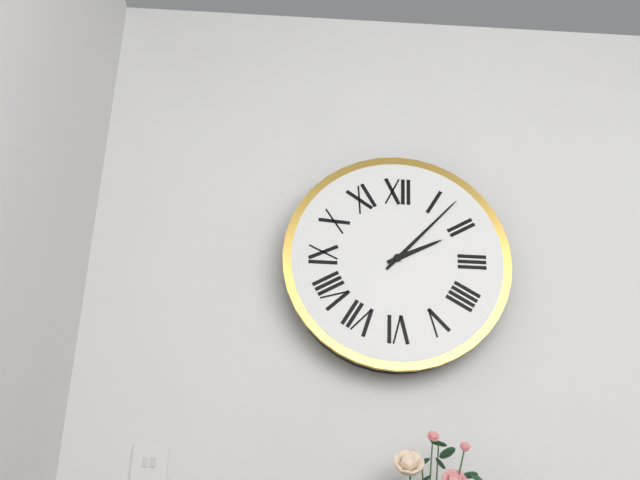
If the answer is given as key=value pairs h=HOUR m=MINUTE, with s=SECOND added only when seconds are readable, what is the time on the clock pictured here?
h=2 m=7
